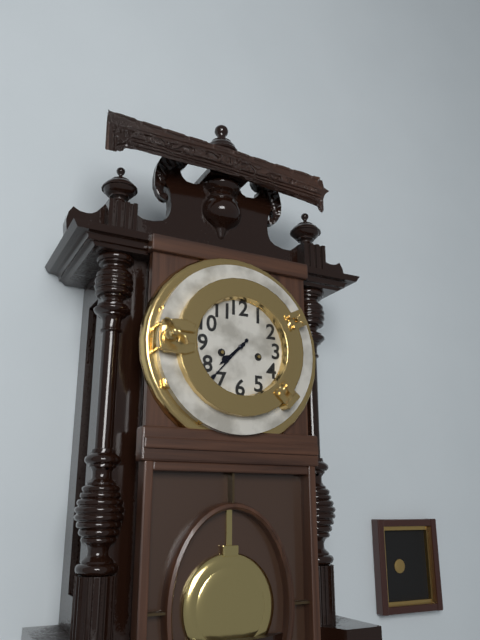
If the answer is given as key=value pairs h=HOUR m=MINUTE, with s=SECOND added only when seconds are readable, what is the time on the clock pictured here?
h=7 m=37
